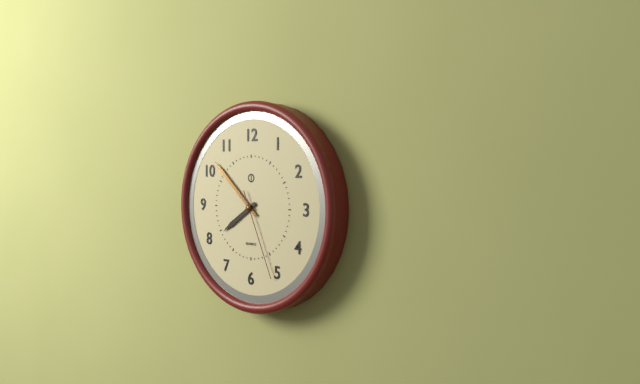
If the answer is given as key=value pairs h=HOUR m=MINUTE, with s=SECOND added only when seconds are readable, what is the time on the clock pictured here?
h=7 m=52 s=26
